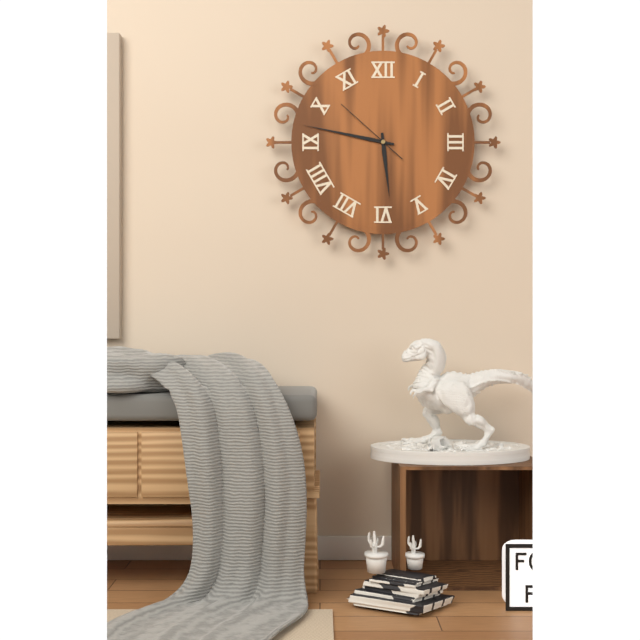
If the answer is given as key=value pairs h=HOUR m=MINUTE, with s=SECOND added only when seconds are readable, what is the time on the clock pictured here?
h=5 m=47 s=52
